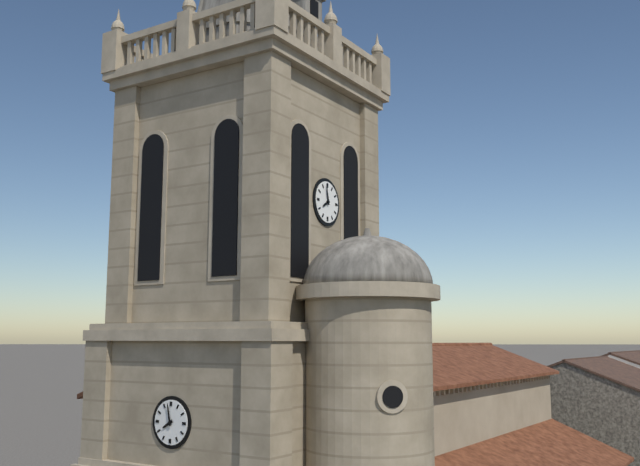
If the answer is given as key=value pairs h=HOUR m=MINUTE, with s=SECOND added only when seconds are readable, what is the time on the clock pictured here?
h=7 m=58
